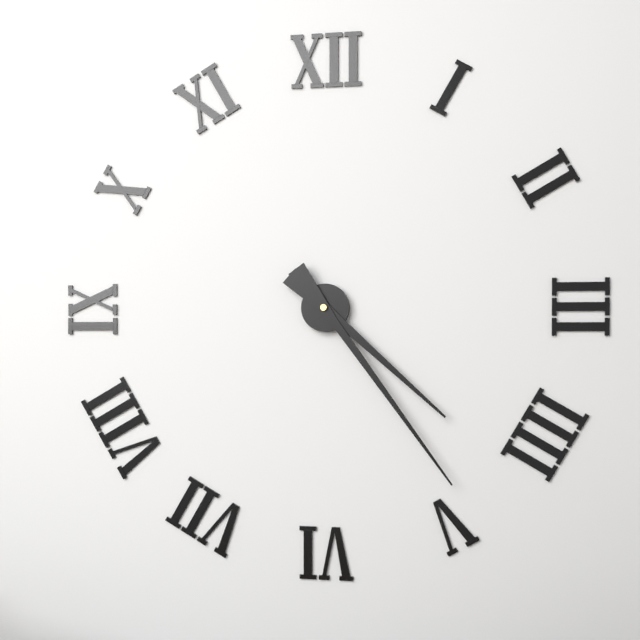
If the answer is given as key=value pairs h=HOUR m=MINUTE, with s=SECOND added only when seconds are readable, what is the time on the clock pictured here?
h=4 m=24
